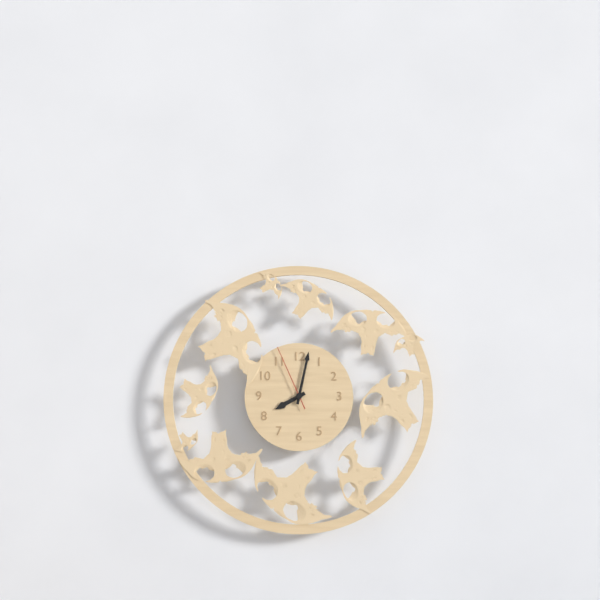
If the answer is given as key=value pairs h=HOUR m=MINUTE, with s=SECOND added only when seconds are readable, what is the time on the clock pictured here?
h=8 m=2 s=56
